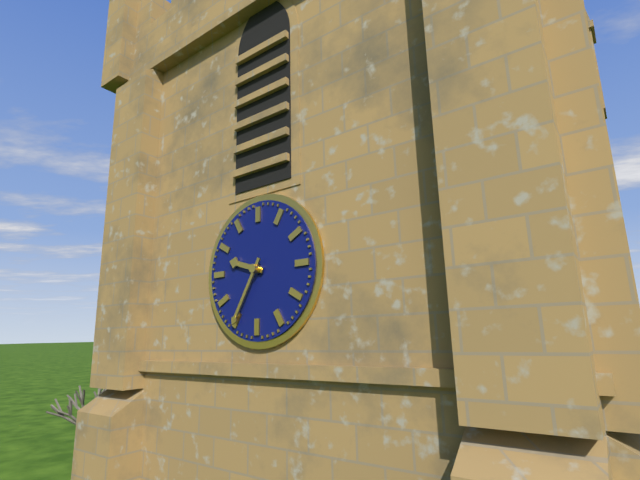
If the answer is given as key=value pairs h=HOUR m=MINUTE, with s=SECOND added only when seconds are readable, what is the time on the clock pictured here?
h=9 m=35
